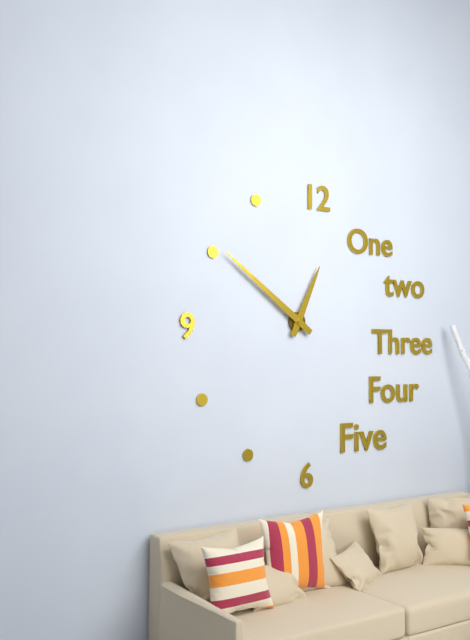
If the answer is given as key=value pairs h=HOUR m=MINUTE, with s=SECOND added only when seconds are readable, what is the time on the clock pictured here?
h=12 m=51
